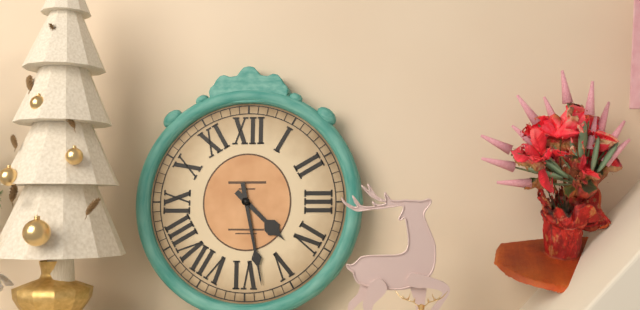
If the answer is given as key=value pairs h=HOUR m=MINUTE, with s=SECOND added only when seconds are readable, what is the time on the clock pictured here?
h=4 m=28
